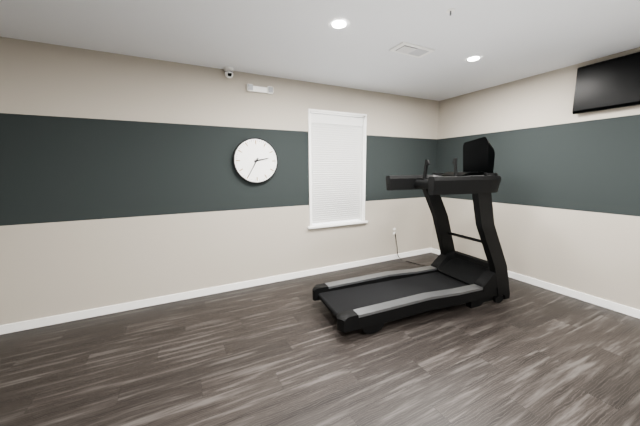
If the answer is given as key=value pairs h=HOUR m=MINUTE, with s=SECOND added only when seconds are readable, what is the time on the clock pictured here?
h=2 m=35
